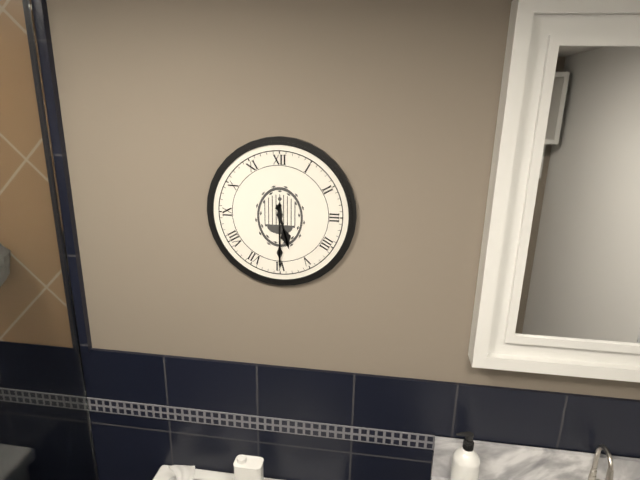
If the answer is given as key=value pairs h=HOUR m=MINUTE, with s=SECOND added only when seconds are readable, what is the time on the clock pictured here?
h=5 m=30
